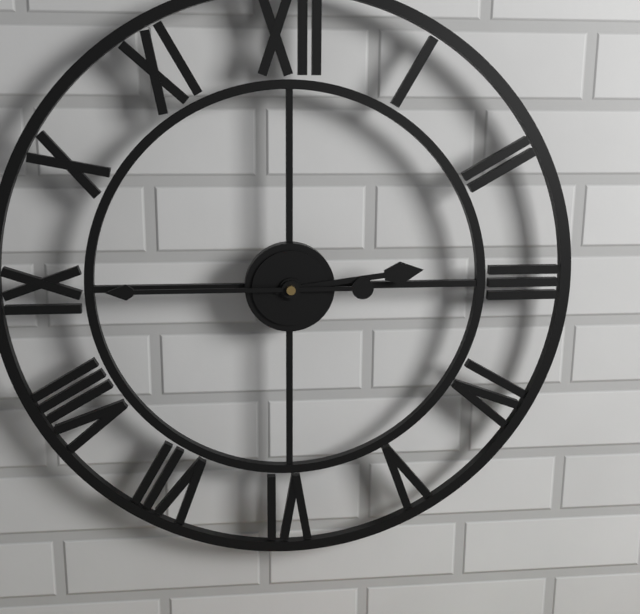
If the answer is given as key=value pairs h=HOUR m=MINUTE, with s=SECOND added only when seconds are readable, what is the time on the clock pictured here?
h=2 m=45
